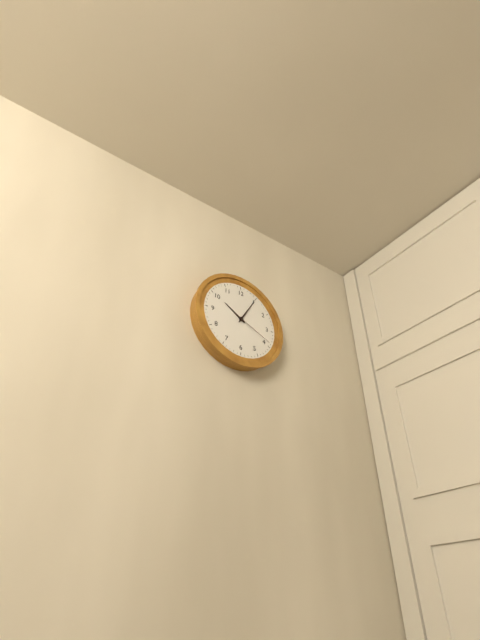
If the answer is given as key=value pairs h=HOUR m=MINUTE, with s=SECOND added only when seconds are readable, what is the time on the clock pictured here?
h=10 m=5
